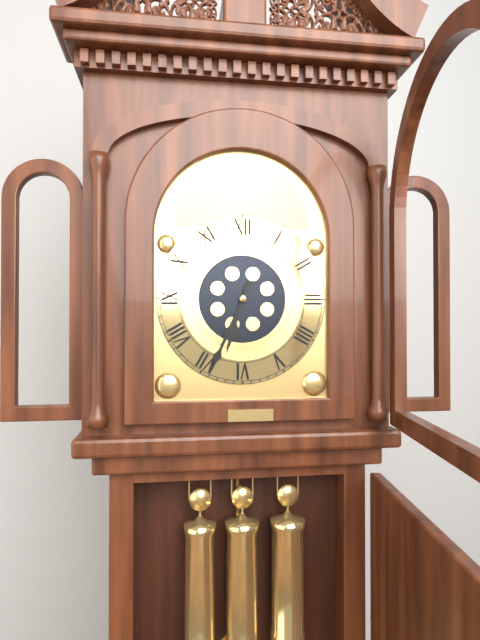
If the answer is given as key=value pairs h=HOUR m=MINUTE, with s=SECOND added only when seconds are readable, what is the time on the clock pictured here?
h=6 m=34
